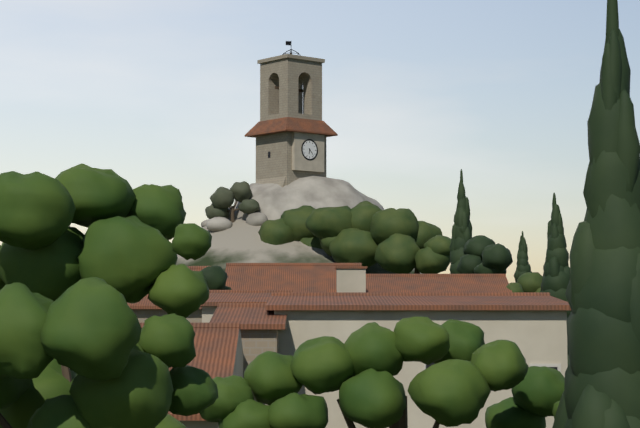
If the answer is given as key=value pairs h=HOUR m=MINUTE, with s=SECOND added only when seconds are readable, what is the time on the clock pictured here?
h=6 m=23
